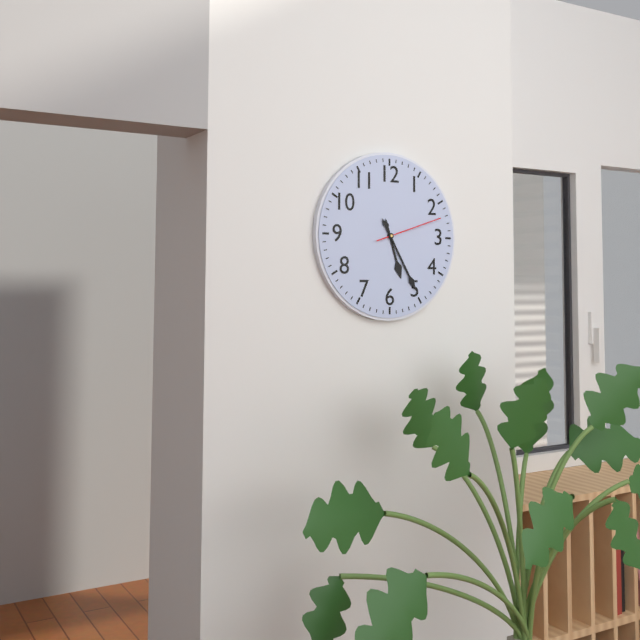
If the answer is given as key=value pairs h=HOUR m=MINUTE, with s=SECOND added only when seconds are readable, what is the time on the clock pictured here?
h=5 m=25 s=12
